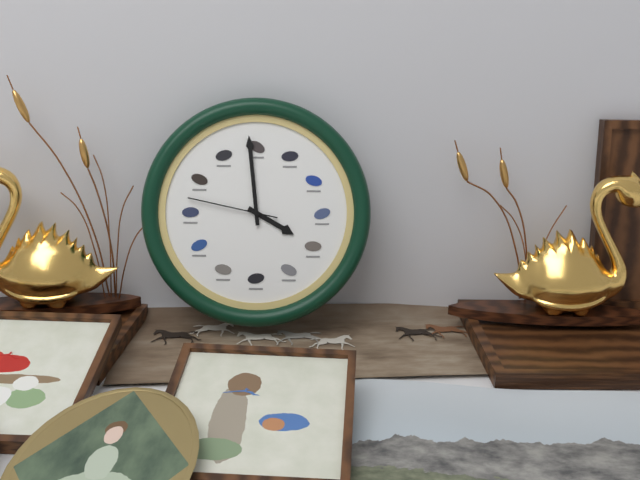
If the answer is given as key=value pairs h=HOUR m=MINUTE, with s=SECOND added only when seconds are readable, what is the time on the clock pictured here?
h=3 m=59 s=47
